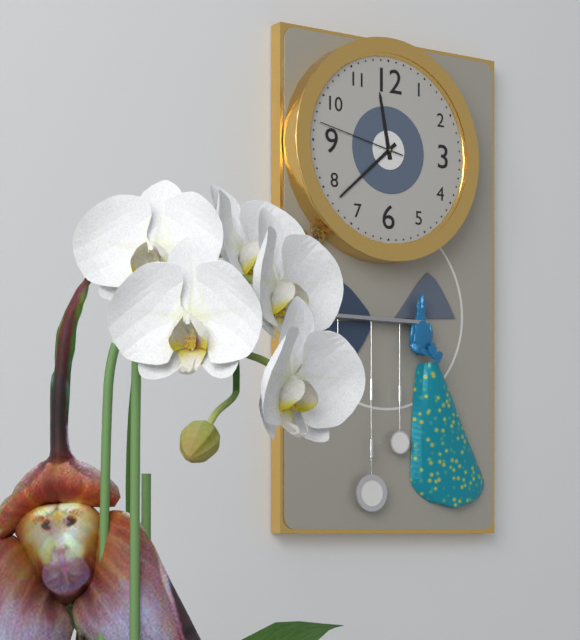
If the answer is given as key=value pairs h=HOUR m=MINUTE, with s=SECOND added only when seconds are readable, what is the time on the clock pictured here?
h=11 m=38 s=47
